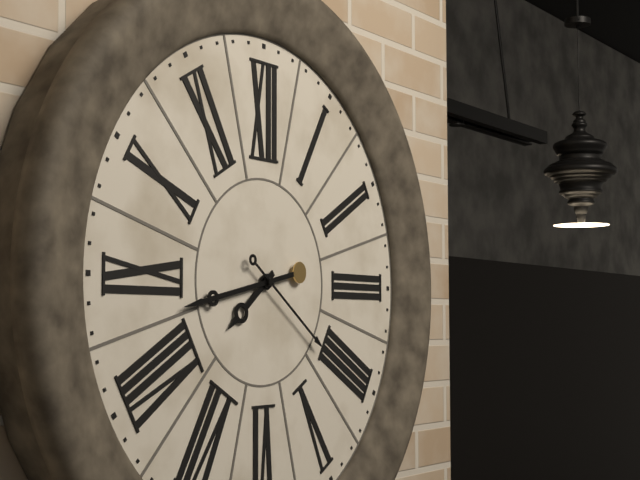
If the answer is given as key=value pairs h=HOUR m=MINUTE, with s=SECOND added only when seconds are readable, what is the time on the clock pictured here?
h=7 m=43 s=21
